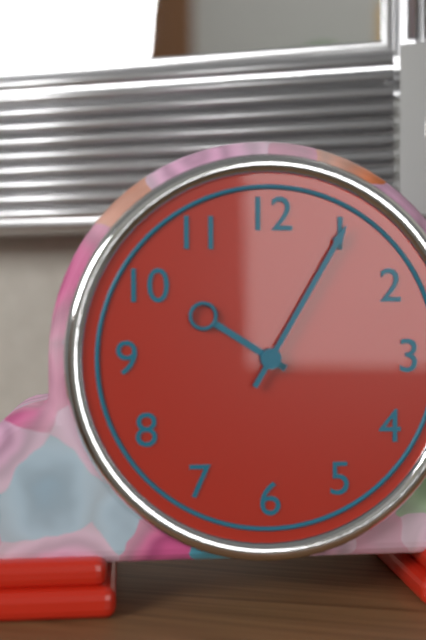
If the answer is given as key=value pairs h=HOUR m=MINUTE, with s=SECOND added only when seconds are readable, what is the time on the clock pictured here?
h=10 m=5
